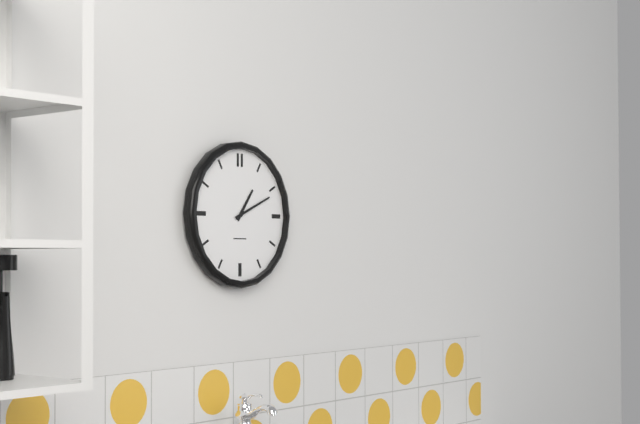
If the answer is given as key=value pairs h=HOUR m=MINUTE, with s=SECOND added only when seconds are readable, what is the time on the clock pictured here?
h=1 m=11
